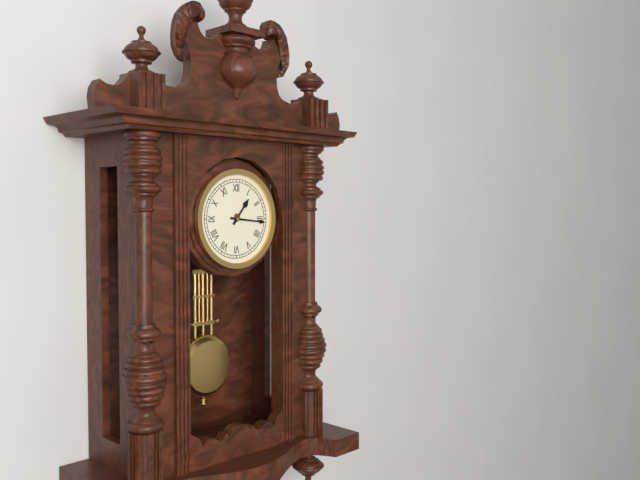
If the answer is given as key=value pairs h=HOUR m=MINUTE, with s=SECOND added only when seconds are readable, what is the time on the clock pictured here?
h=1 m=16
